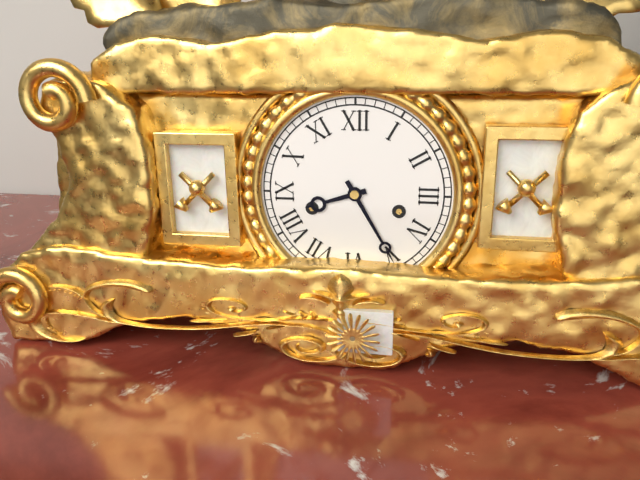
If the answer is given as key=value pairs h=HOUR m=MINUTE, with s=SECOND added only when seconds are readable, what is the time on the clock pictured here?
h=8 m=25
